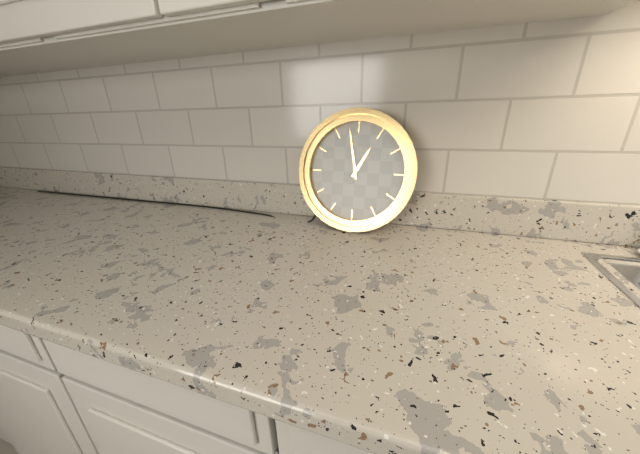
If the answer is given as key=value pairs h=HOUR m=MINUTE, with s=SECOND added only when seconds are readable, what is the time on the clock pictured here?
h=12 m=58
